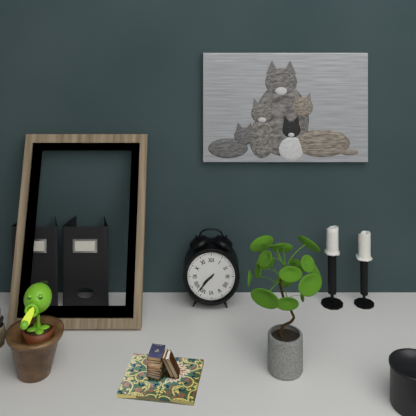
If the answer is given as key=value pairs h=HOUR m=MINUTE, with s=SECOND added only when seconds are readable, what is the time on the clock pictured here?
h=7 m=37
